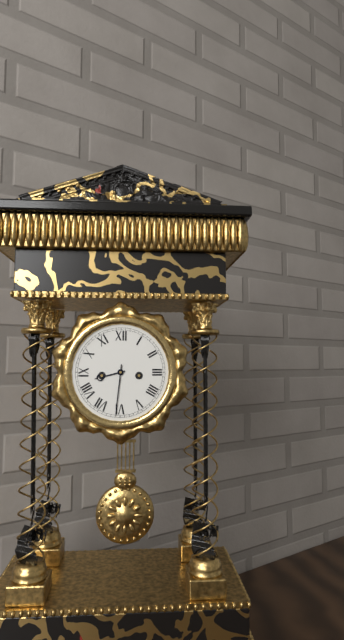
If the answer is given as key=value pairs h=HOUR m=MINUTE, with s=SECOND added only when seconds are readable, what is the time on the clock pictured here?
h=8 m=31
